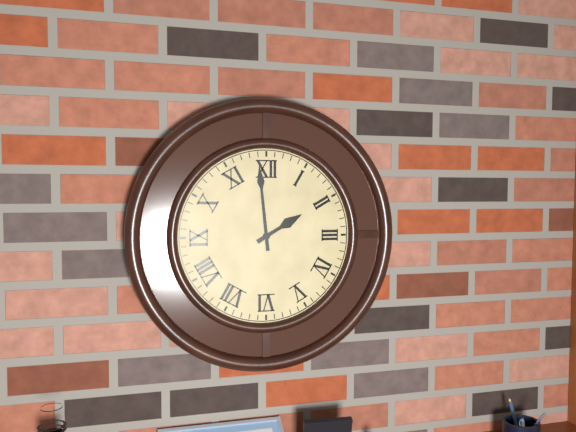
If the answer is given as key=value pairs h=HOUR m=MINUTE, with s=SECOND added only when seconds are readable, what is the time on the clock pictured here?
h=1 m=59
